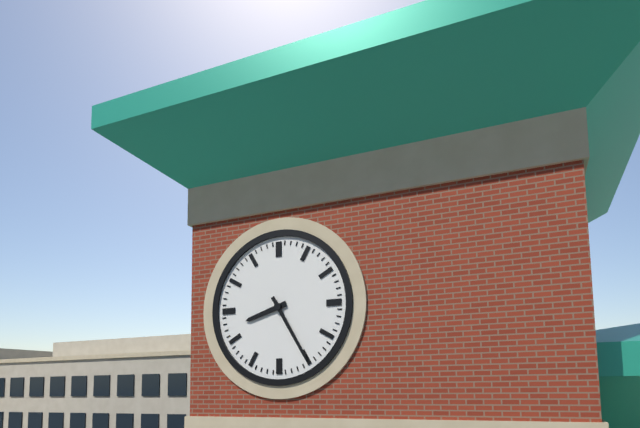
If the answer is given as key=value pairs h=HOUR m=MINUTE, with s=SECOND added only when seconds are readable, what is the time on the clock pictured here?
h=8 m=25
